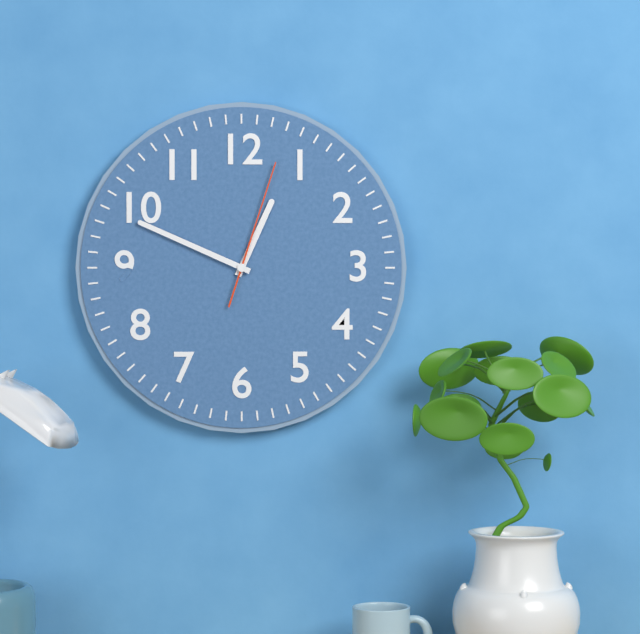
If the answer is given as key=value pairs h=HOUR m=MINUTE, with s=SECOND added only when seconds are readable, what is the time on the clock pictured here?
h=12 m=49 s=3
